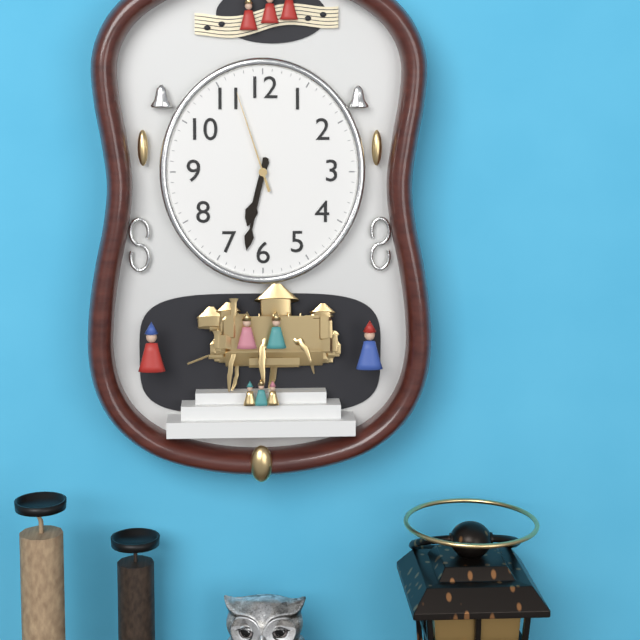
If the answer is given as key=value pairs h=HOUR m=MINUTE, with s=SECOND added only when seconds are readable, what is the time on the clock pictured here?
h=6 m=32 s=57
